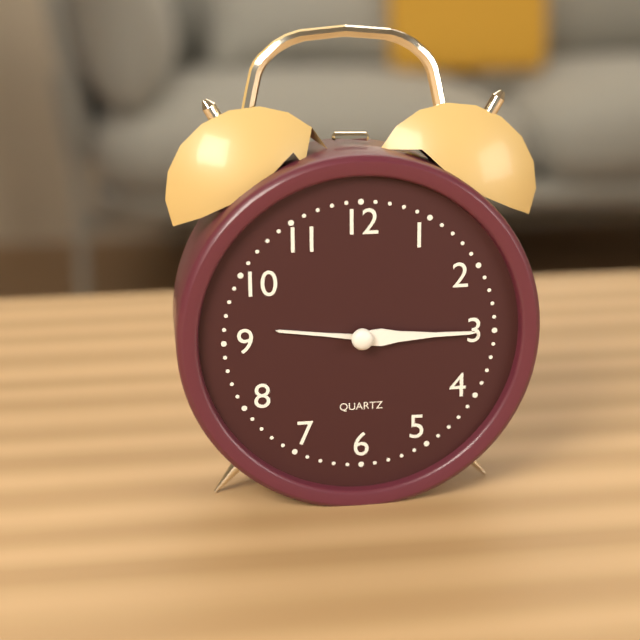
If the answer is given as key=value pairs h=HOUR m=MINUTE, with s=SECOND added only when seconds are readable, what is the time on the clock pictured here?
h=9 m=15
